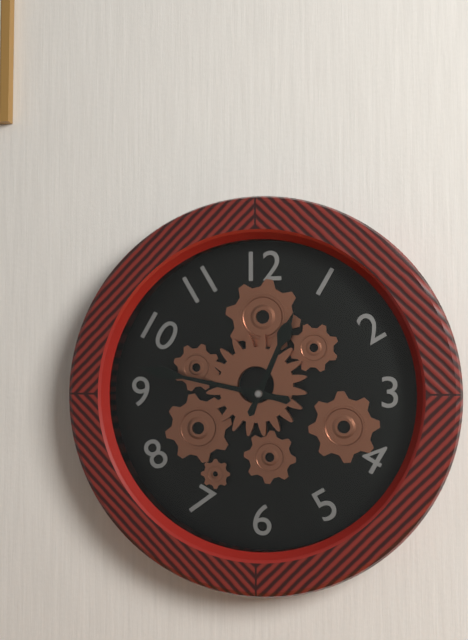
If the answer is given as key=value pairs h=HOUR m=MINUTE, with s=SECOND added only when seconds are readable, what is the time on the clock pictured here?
h=12 m=47
